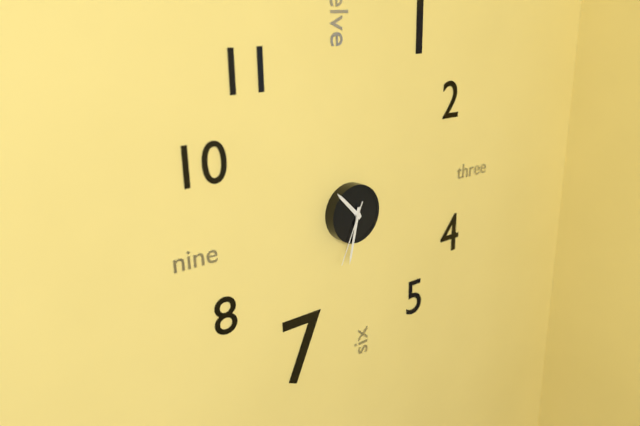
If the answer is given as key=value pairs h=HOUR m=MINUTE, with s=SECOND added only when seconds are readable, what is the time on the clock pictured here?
h=10 m=32 s=34
